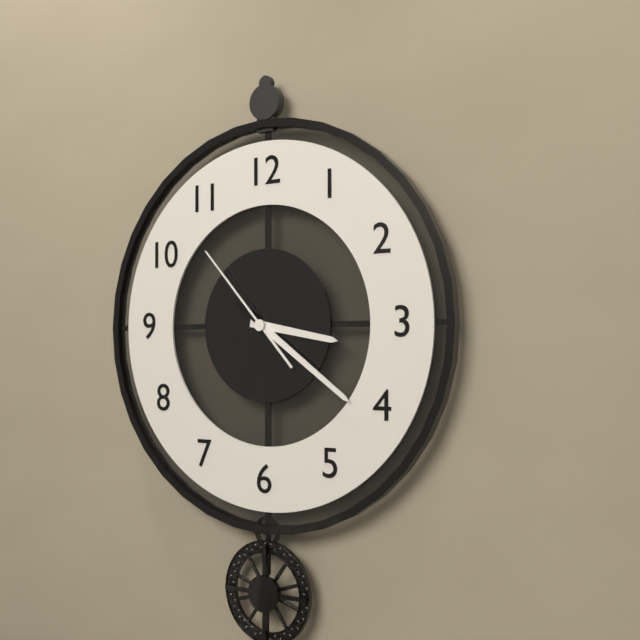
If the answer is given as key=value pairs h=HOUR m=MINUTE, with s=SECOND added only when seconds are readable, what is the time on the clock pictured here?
h=3 m=21 s=53
